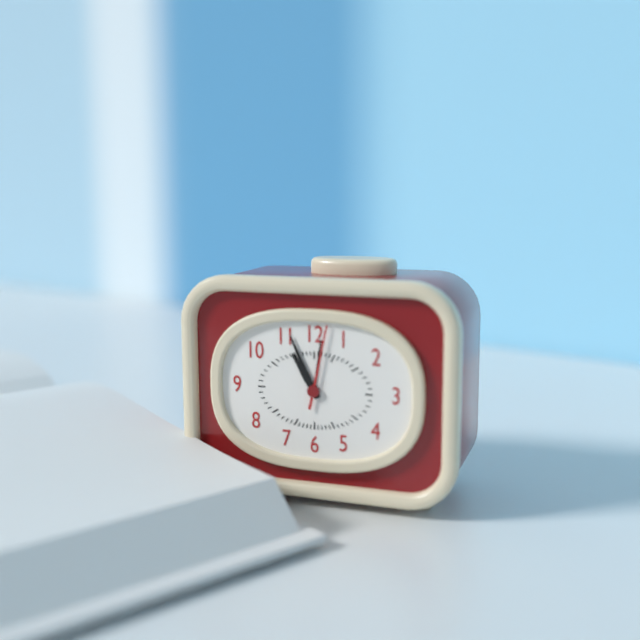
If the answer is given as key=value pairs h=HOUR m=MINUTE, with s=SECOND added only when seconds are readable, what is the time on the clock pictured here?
h=10 m=56 s=2
